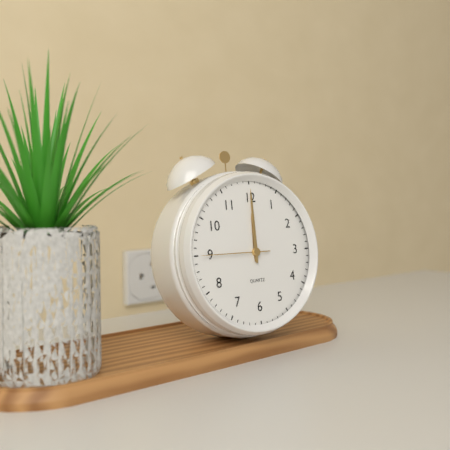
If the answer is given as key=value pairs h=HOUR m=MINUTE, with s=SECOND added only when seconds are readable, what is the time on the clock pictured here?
h=12 m=0 s=45
